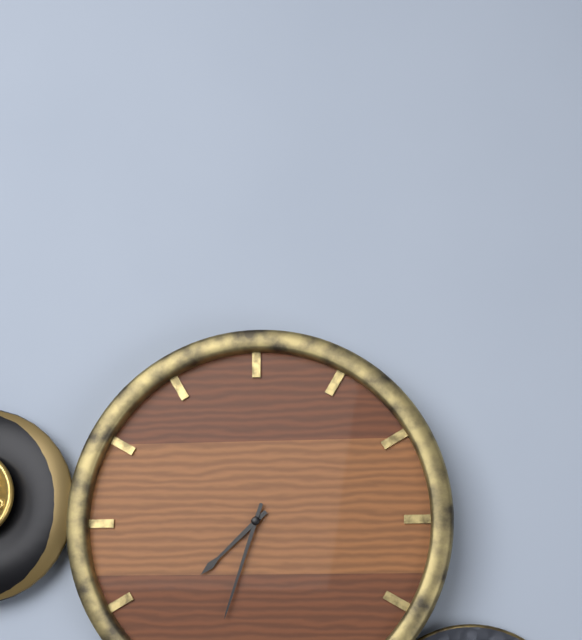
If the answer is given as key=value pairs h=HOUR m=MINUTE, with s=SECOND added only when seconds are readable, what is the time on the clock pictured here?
h=7 m=33
